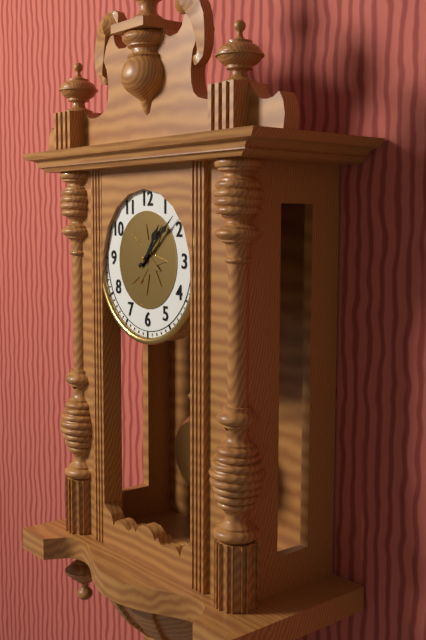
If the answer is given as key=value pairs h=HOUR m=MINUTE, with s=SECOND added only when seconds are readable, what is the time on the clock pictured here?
h=1 m=8
